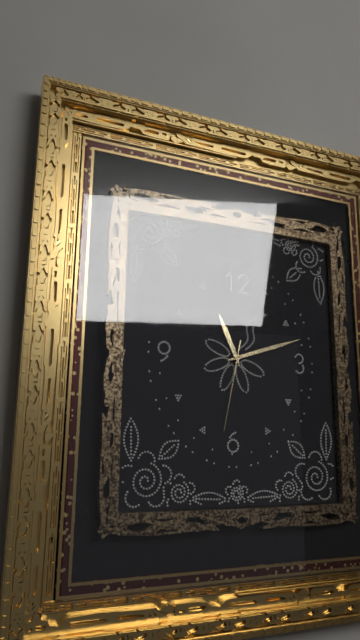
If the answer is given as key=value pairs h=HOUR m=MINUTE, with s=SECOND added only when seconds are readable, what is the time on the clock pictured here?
h=11 m=12 s=32
